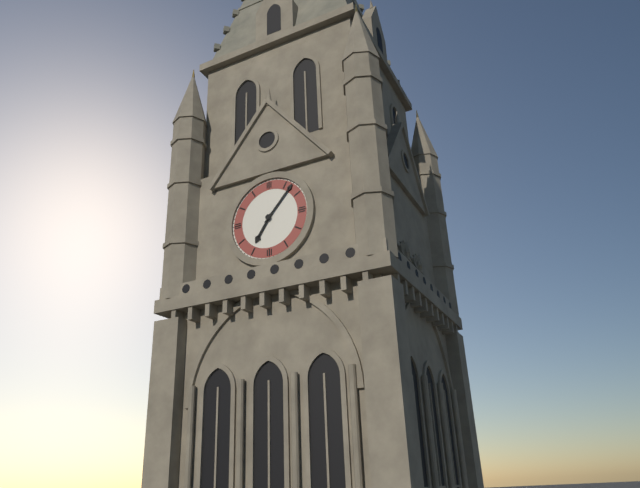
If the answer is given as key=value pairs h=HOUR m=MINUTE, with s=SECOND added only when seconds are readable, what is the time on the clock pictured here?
h=7 m=7
